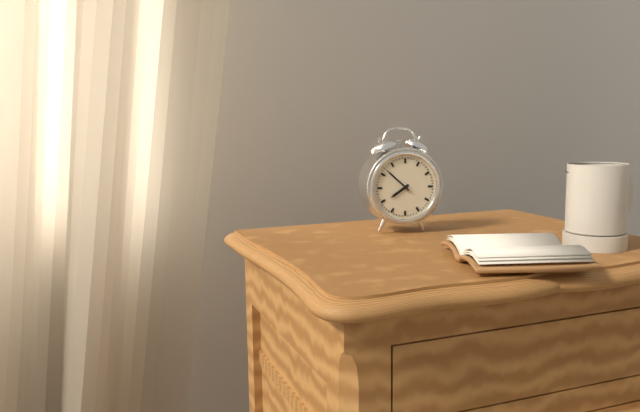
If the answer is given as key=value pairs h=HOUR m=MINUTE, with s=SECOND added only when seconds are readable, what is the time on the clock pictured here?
h=7 m=52
